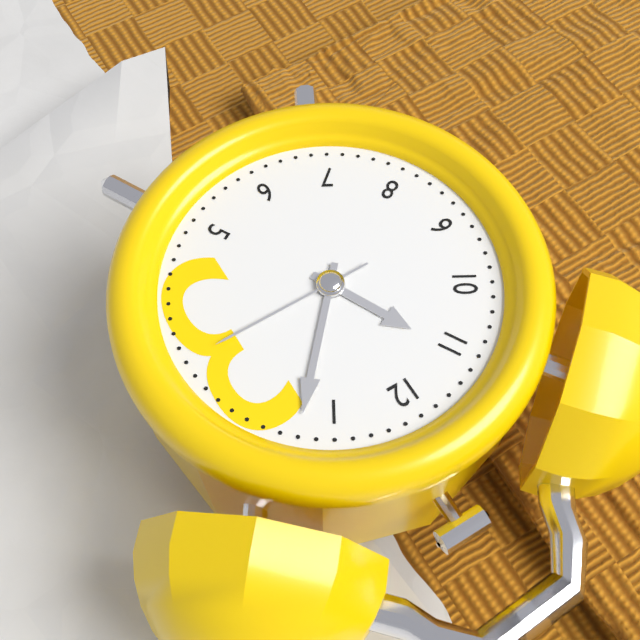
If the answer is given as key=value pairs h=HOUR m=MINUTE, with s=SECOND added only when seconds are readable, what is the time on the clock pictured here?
h=11 m=7 s=15
